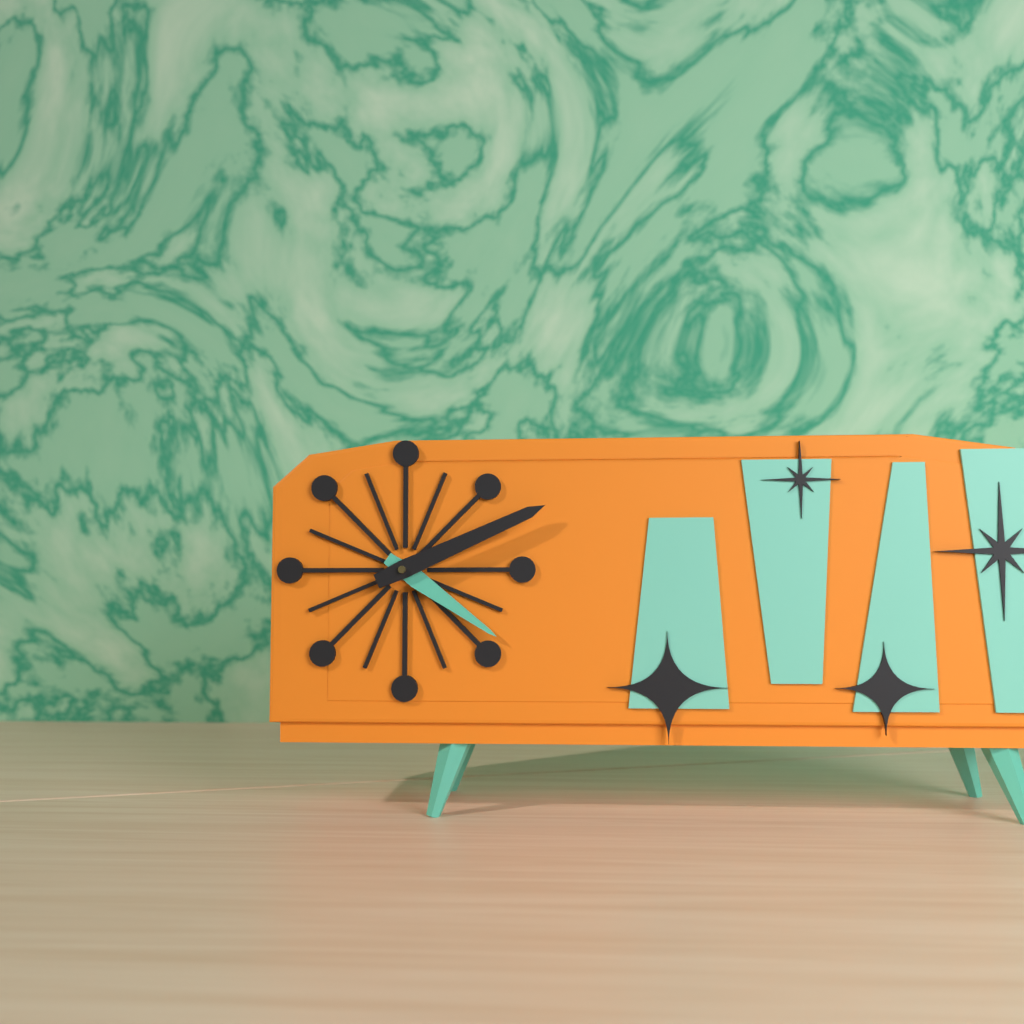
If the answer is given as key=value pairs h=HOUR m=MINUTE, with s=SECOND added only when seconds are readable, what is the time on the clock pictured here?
h=4 m=11
